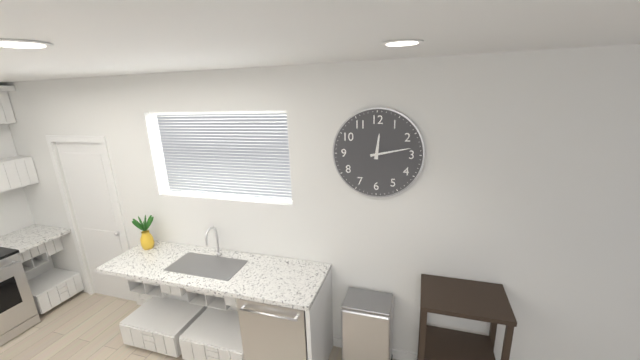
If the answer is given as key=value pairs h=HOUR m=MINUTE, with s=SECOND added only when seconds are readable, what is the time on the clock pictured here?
h=12 m=13
